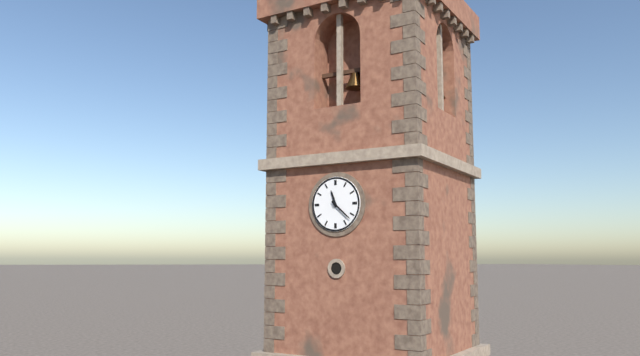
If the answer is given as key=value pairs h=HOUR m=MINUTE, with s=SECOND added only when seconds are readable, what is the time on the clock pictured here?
h=11 m=22
